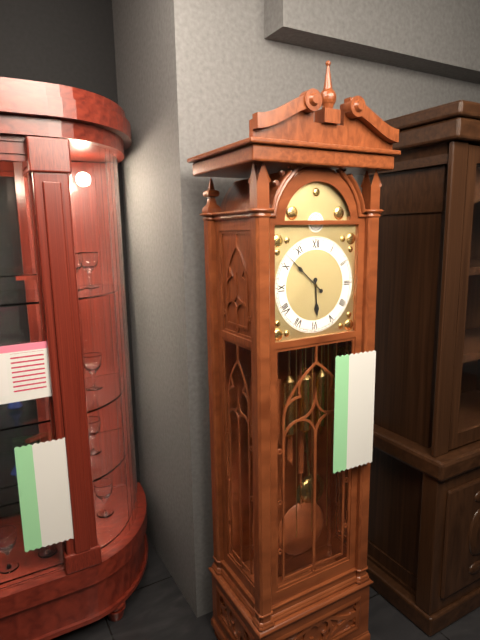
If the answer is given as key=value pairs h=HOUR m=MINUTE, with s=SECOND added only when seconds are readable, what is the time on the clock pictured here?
h=5 m=52
